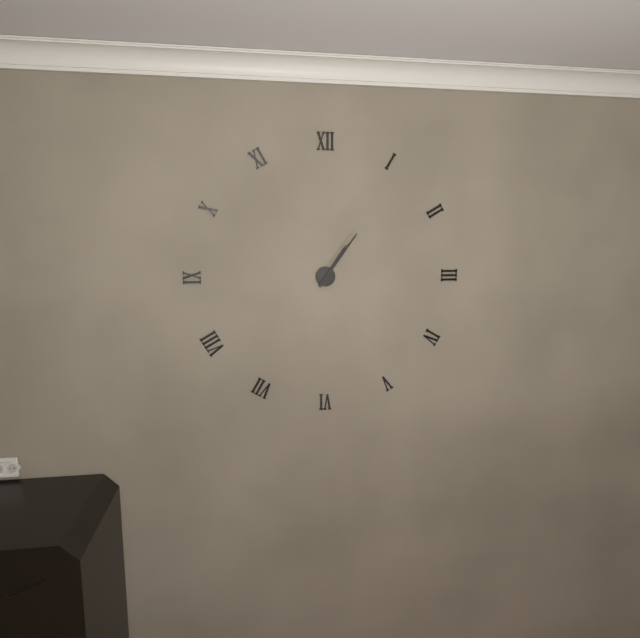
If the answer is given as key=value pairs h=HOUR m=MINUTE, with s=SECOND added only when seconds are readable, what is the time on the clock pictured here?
h=1 m=6
